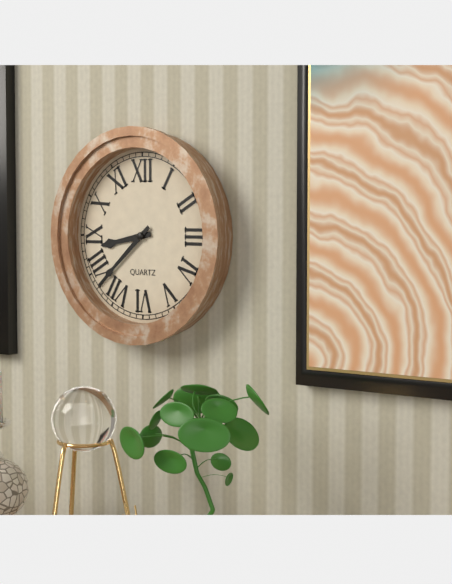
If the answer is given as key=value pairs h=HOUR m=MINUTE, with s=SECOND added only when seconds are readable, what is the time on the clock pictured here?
h=8 m=38
